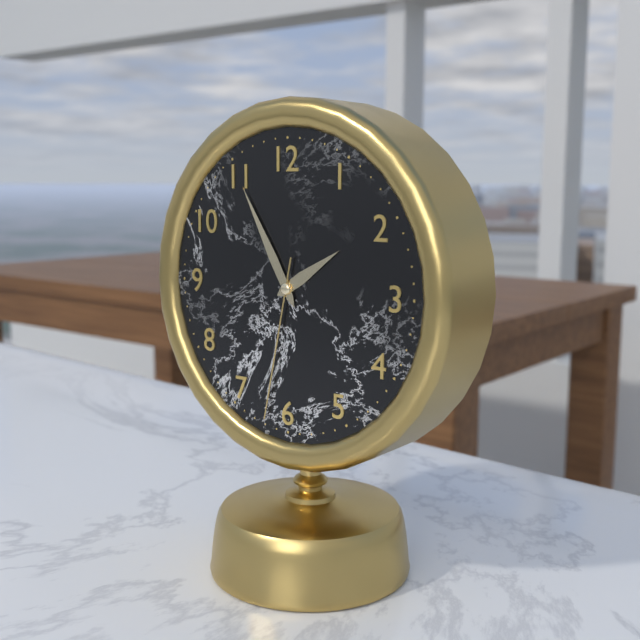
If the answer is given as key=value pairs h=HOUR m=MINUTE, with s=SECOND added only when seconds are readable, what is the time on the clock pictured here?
h=1 m=55 s=32
